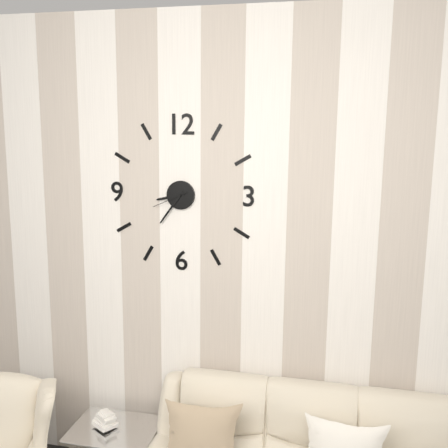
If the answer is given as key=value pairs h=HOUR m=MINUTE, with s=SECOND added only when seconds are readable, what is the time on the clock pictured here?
h=8 m=36
